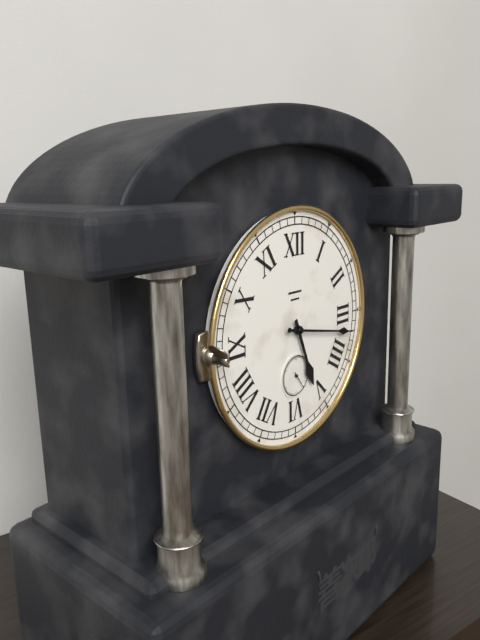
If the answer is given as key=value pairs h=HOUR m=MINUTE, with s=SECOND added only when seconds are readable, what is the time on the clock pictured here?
h=5 m=17
